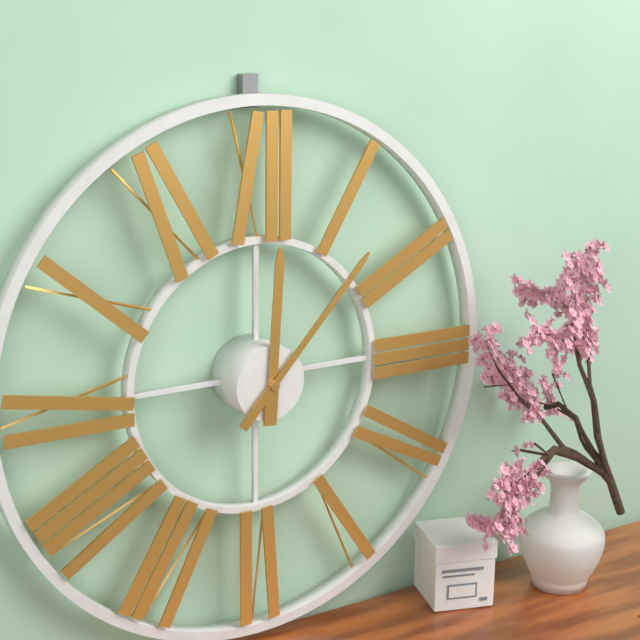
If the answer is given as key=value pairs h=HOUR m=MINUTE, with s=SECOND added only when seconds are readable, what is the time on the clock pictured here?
h=12 m=7
